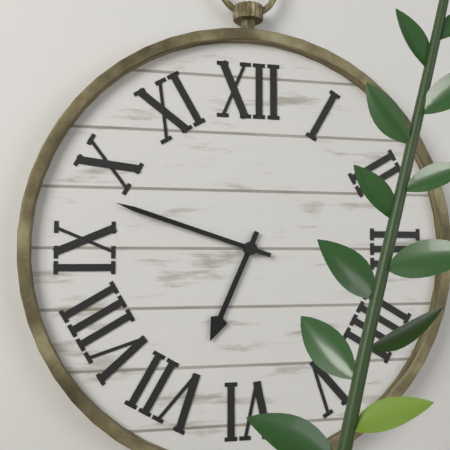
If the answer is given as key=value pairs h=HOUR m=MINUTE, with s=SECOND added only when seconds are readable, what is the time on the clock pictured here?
h=6 m=48
